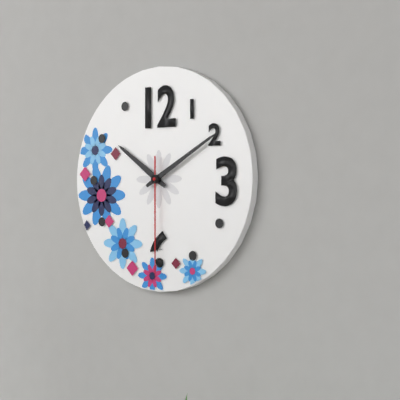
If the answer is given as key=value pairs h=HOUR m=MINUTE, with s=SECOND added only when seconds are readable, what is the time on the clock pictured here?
h=10 m=10 s=30
